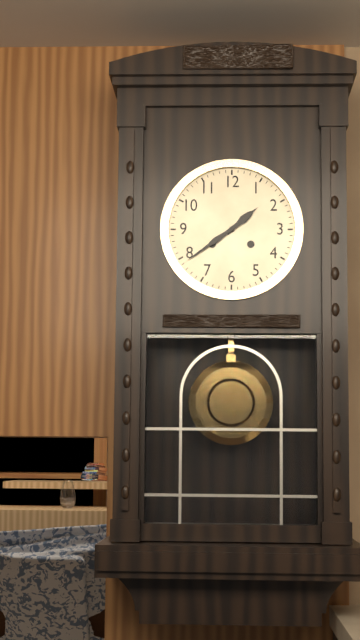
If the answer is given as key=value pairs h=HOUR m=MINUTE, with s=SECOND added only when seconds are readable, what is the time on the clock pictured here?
h=1 m=39
